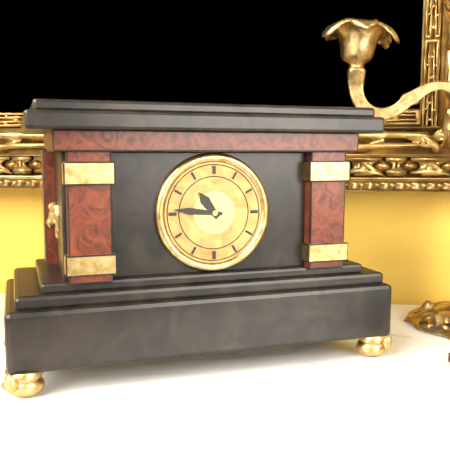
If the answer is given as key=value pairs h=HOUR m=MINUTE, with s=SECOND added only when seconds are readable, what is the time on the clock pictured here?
h=10 m=46
